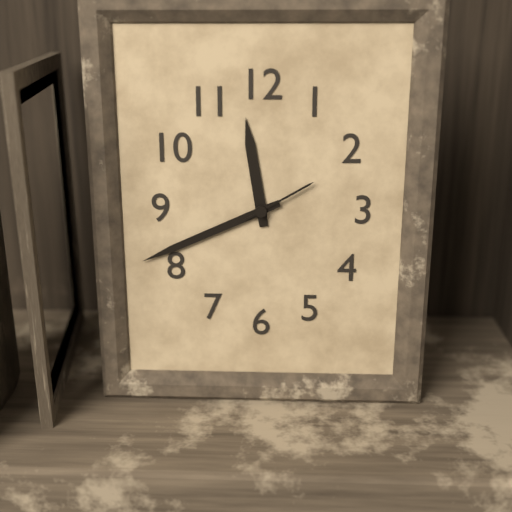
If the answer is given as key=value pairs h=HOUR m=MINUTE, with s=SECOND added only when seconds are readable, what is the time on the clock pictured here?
h=11 m=41 s=10
